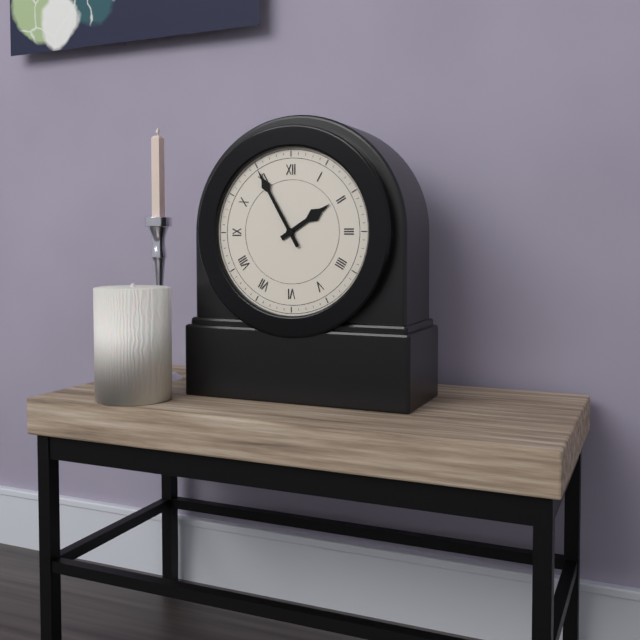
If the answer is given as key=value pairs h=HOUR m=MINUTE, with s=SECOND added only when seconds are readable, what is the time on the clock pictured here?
h=1 m=55
